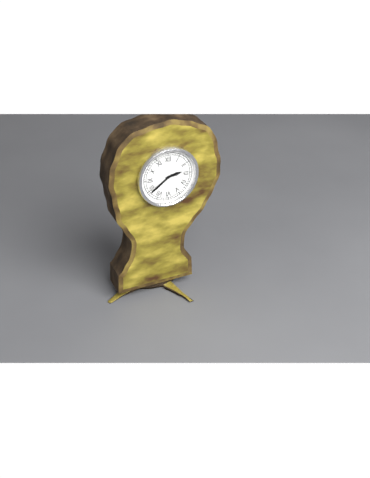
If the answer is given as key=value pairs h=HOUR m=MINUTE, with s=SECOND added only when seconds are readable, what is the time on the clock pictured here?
h=2 m=39
